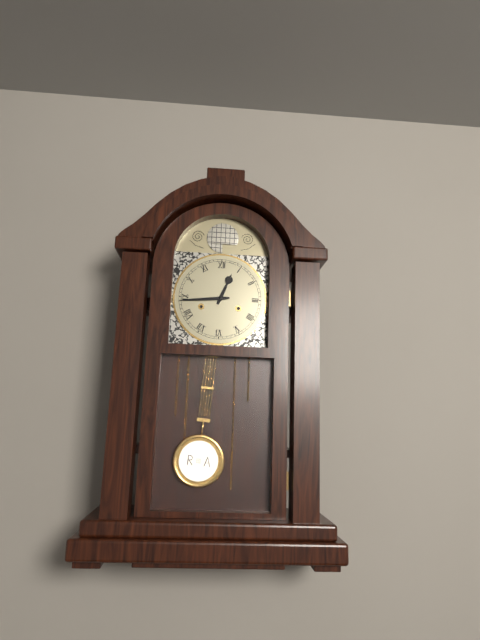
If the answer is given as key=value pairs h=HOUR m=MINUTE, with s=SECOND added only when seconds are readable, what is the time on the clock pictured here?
h=12 m=44
